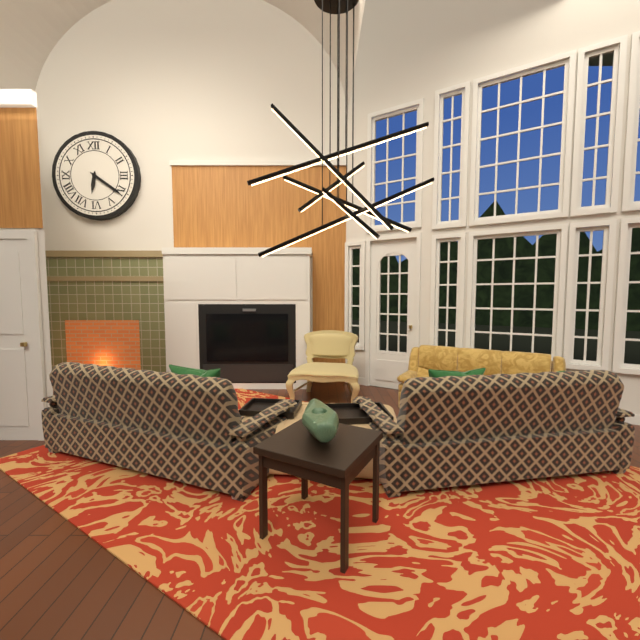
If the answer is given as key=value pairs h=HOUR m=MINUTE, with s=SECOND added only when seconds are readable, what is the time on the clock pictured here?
h=6 m=21
